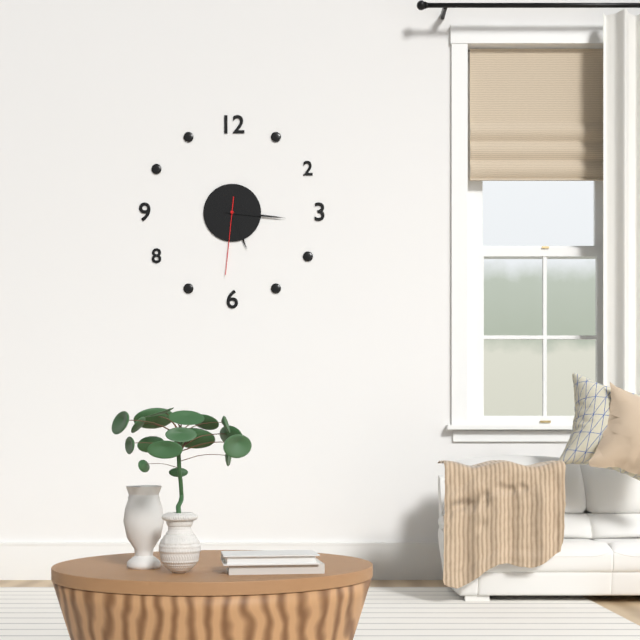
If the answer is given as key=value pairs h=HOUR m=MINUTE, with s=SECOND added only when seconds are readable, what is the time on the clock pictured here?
h=5 m=16 s=31
